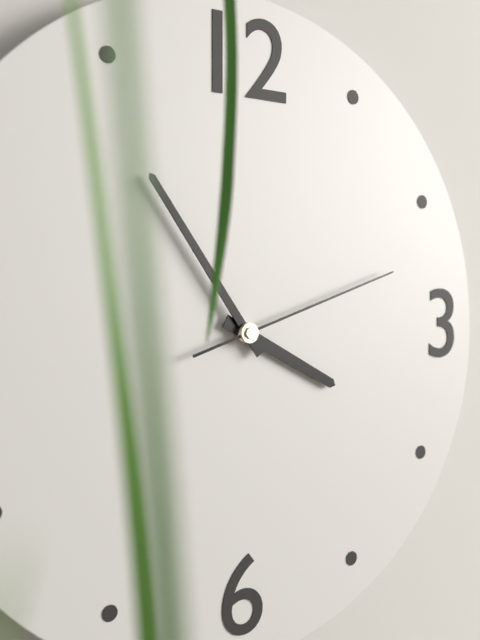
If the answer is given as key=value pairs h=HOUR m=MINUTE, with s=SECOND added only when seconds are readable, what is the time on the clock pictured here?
h=3 m=54 s=12
